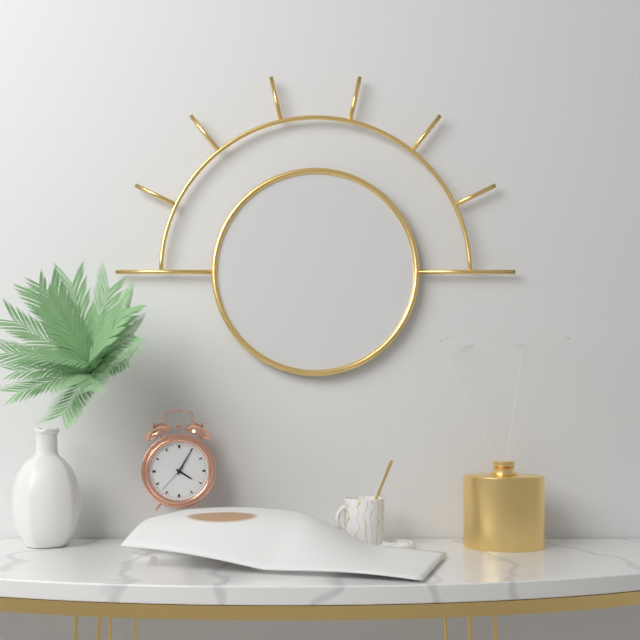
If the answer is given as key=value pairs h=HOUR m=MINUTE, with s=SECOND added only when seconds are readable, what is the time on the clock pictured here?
h=4 m=5
